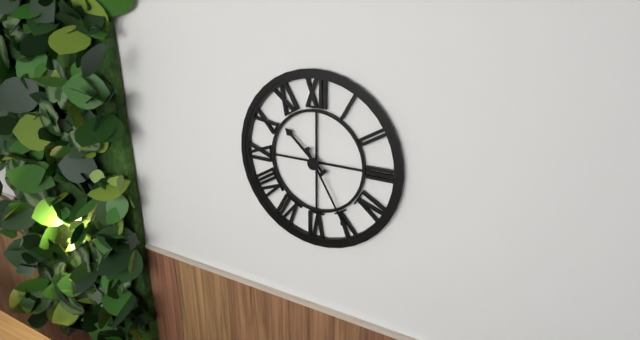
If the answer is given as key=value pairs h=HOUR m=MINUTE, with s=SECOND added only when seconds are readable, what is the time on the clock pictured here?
h=10 m=25
